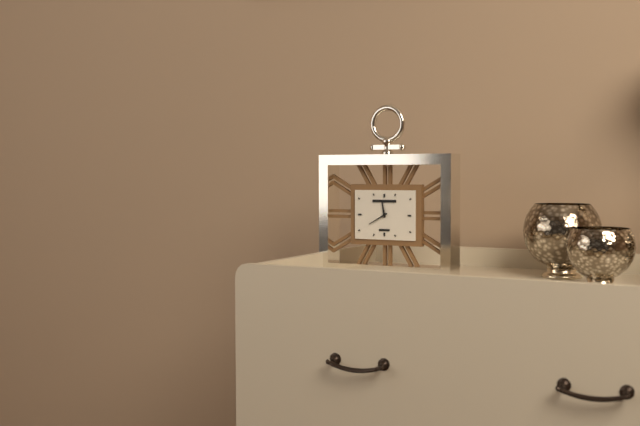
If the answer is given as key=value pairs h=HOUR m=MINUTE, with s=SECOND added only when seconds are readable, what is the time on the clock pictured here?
h=11 m=40
